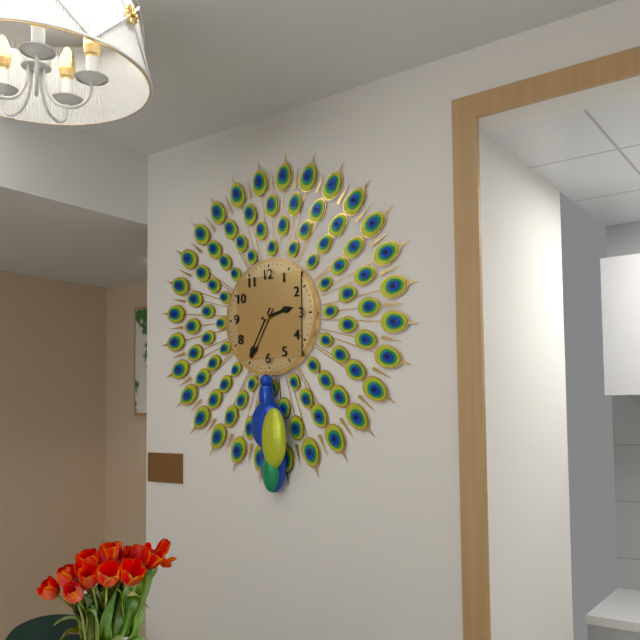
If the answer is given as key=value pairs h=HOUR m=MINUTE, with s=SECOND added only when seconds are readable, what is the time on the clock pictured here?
h=2 m=35
